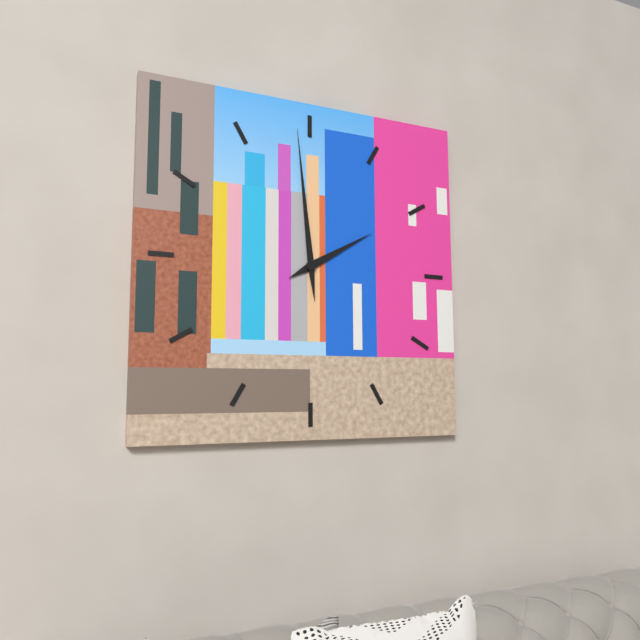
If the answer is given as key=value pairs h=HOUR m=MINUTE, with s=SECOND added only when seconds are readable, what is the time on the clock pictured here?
h=1 m=59
